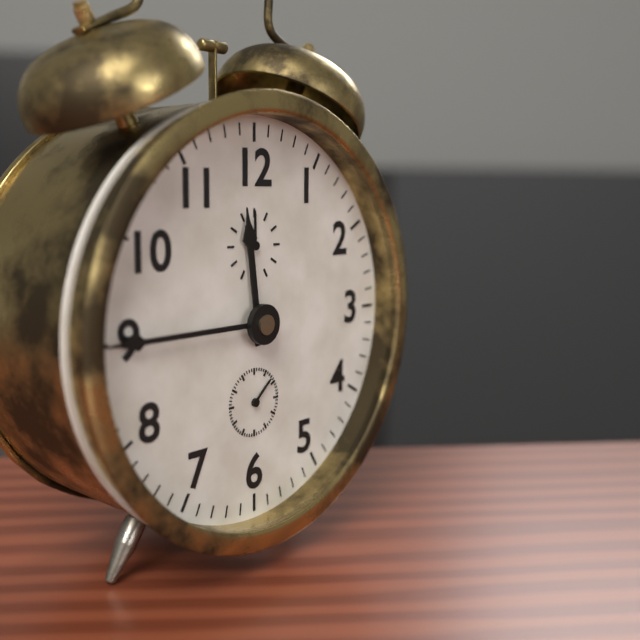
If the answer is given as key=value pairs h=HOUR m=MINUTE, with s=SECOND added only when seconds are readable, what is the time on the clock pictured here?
h=11 m=45
